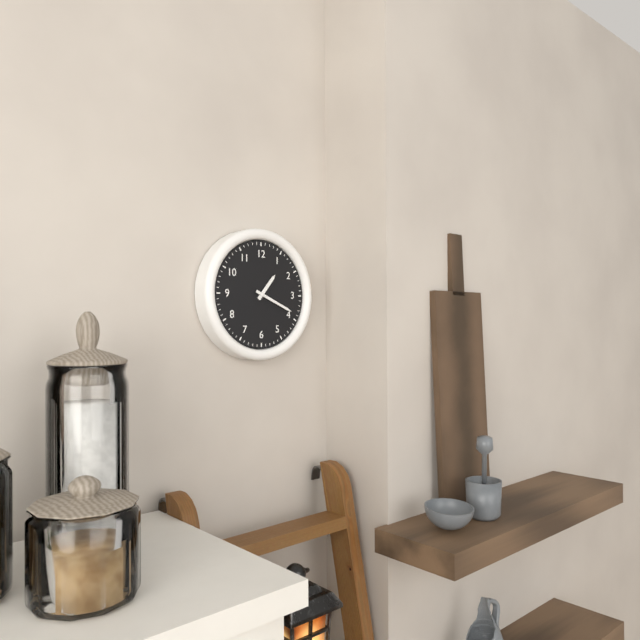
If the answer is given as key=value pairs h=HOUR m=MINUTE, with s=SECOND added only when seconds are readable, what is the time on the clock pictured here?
h=1 m=19
